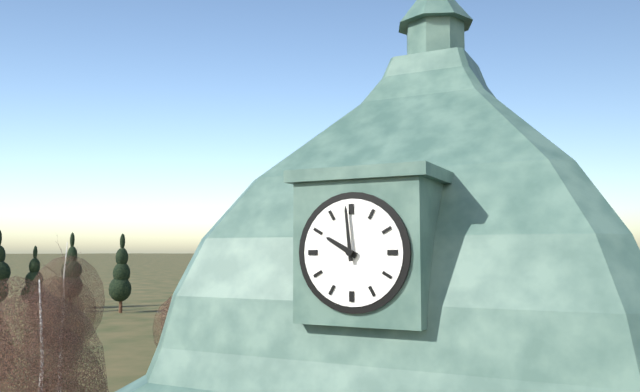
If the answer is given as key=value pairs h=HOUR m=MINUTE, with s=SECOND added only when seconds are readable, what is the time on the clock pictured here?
h=9 m=59
